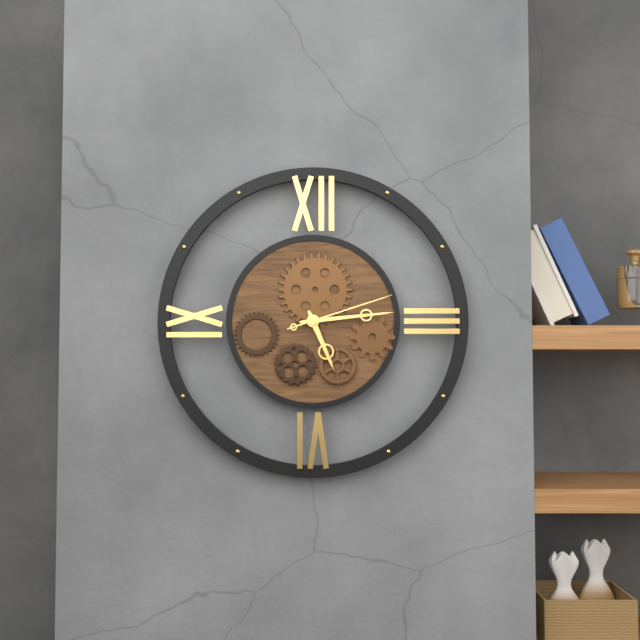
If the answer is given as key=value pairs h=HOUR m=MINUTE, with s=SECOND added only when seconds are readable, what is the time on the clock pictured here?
h=5 m=14 s=12
